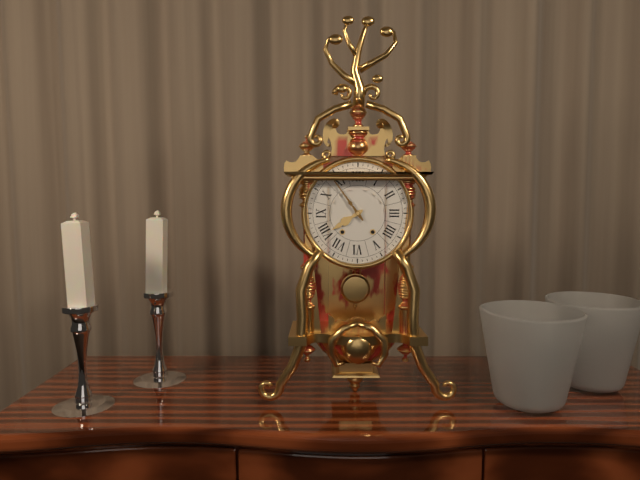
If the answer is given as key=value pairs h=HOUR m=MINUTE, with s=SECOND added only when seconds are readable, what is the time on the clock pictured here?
h=7 m=54
